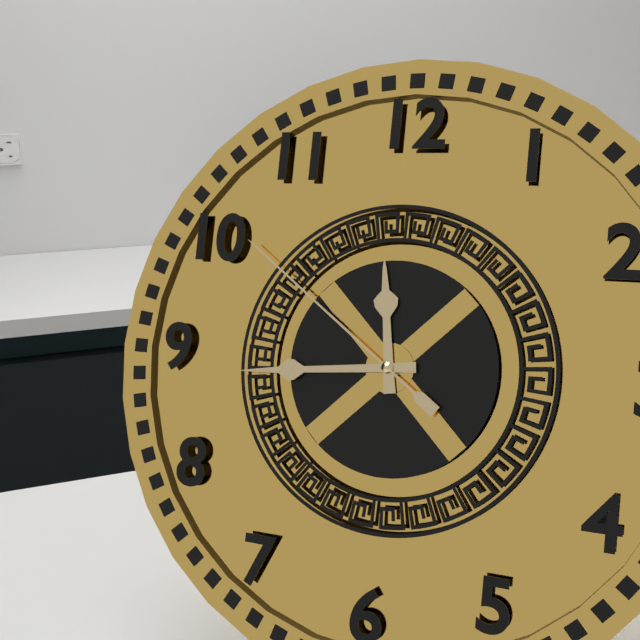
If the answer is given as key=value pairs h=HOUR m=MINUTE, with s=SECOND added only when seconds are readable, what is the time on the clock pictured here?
h=11 m=44 s=51
